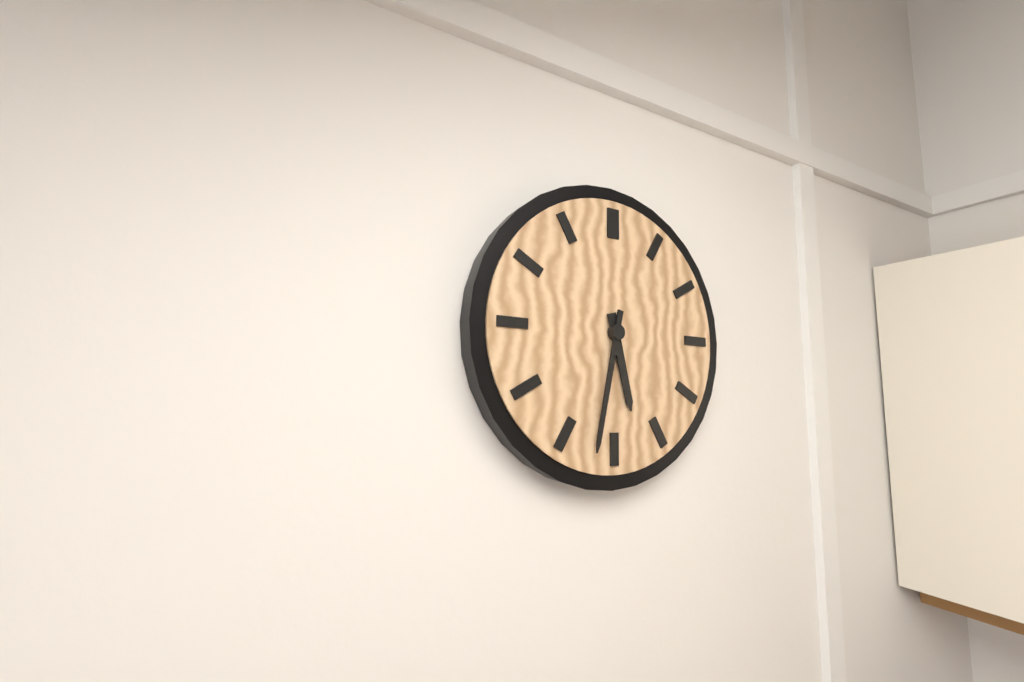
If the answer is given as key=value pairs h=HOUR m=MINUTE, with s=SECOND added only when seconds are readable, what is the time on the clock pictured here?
h=5 m=32
